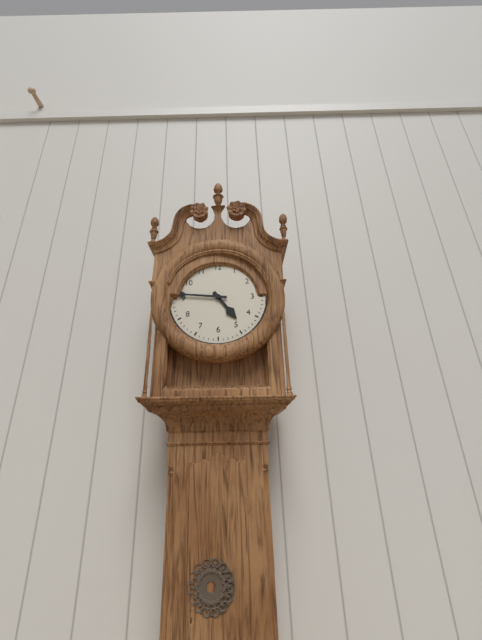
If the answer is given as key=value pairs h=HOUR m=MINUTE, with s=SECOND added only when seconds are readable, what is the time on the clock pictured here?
h=4 m=46
